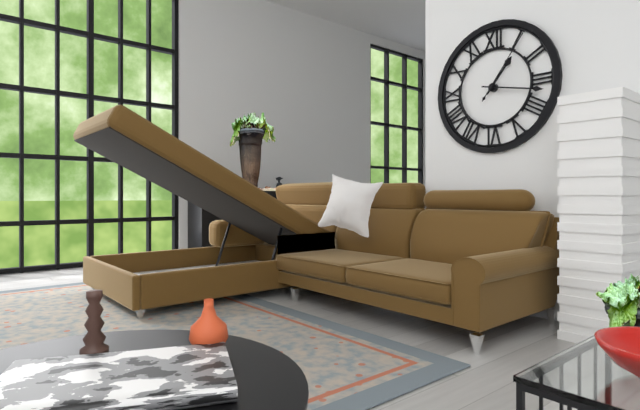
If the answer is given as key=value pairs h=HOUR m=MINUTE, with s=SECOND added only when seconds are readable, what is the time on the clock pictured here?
h=1 m=17 s=6
